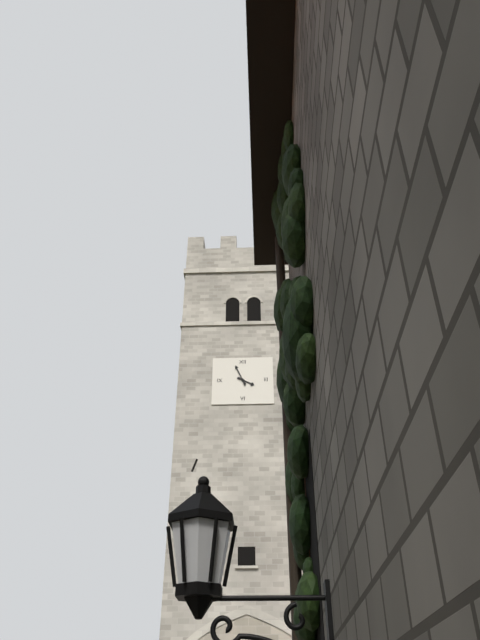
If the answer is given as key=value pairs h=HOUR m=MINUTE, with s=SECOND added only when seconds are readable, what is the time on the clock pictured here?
h=3 m=56
